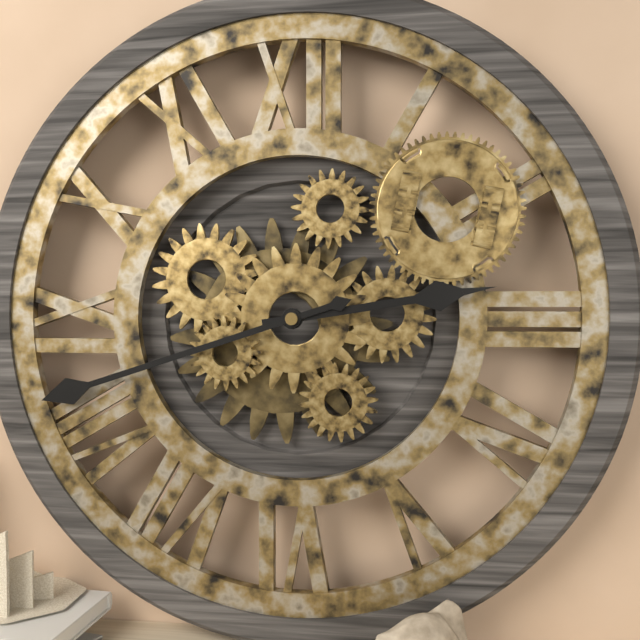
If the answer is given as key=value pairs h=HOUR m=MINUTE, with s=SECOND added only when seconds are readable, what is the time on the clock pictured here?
h=2 m=42
